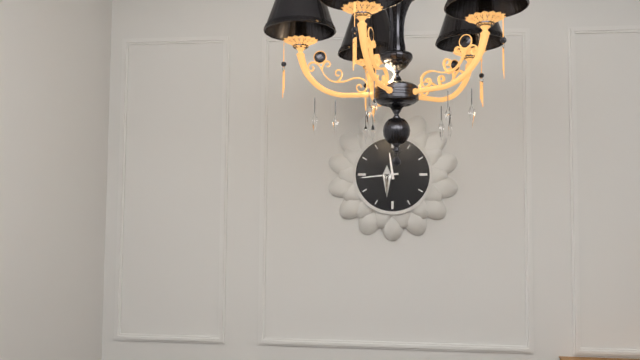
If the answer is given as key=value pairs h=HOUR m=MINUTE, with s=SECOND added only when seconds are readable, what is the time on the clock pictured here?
h=11 m=44
